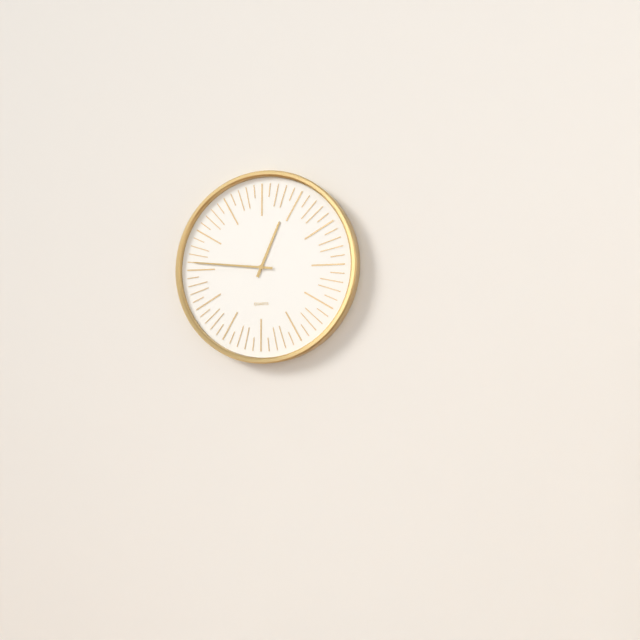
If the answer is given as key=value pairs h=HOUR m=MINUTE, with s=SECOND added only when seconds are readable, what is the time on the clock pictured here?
h=12 m=46
